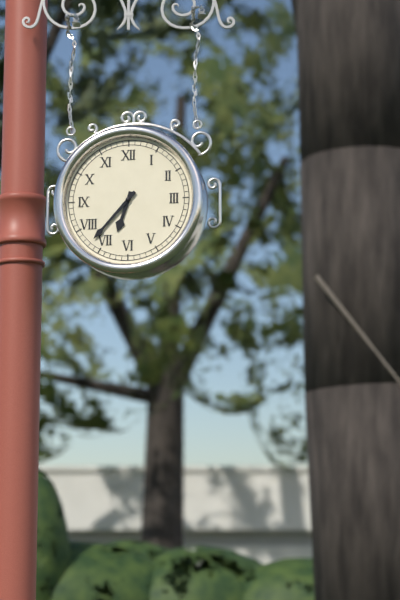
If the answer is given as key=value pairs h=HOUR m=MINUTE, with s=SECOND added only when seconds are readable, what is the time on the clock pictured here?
h=6 m=37
